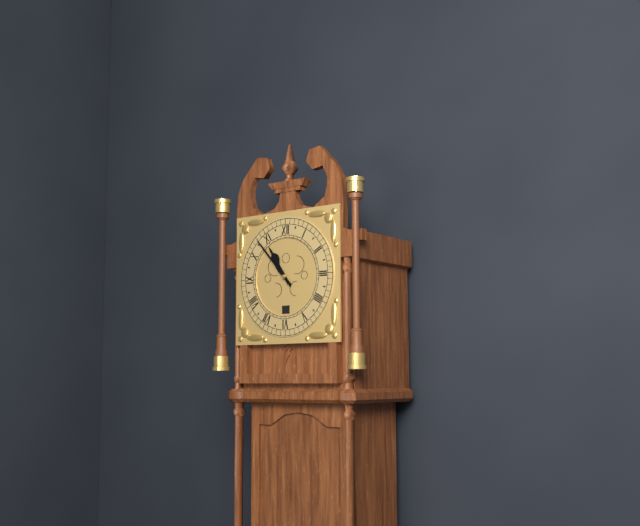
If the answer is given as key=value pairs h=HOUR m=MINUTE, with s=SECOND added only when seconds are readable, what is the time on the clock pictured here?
h=10 m=53
